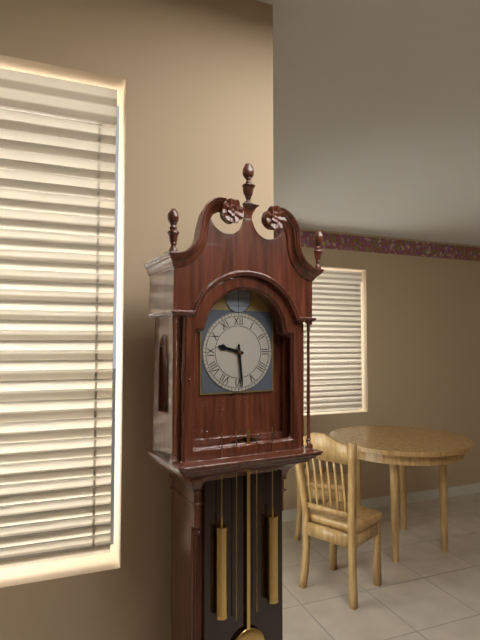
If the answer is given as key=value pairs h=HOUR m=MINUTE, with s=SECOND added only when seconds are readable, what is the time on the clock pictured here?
h=9 m=29
